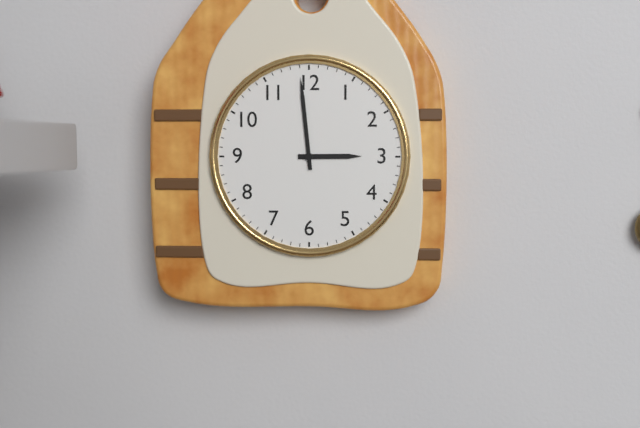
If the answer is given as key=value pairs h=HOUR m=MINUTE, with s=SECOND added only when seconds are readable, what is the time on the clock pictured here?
h=2 m=59
